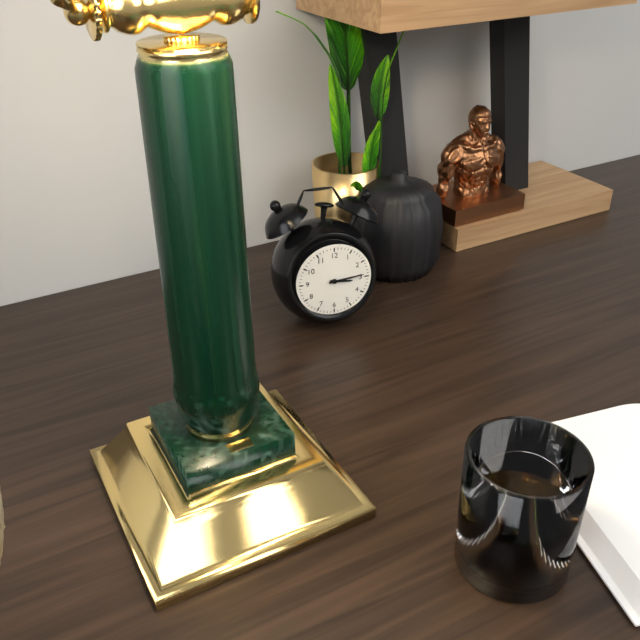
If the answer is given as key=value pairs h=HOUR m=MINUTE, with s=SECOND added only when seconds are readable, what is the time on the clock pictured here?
h=3 m=14
